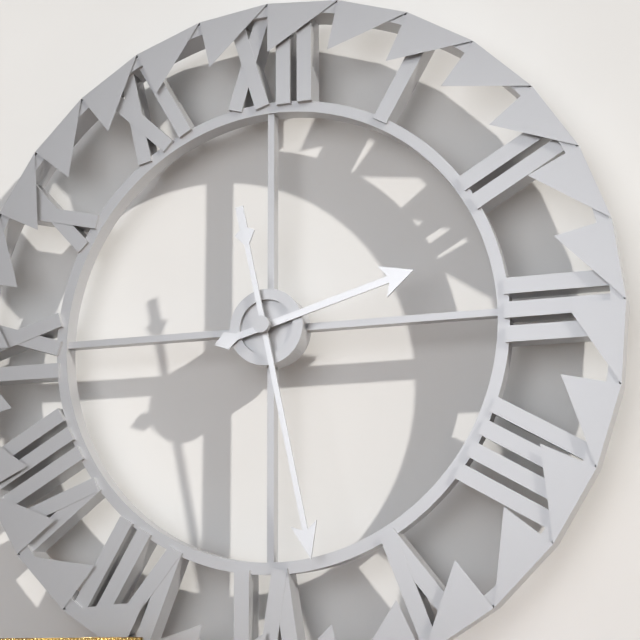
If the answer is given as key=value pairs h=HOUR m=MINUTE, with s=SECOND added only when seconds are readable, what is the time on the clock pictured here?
h=2 m=28
